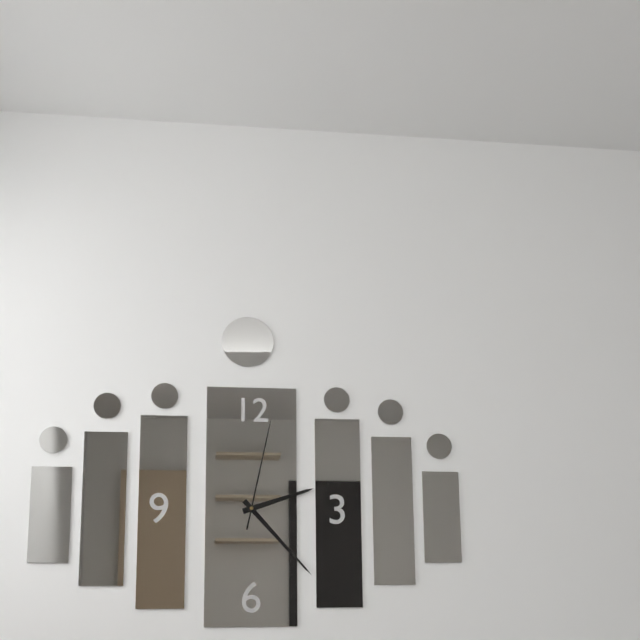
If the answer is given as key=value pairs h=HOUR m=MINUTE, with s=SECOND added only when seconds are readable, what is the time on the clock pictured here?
h=2 m=23 s=2
